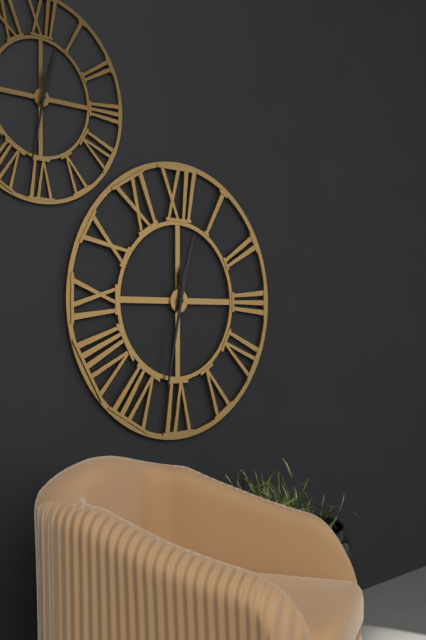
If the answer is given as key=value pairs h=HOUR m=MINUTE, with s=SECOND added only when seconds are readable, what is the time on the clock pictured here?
h=12 m=32
